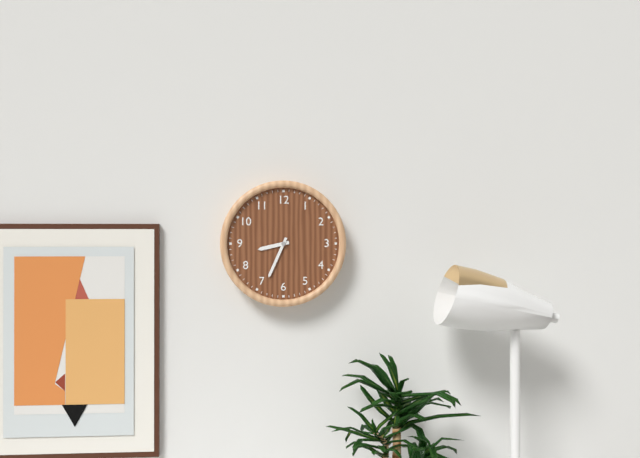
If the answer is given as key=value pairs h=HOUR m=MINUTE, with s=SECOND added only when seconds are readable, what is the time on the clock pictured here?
h=8 m=34
